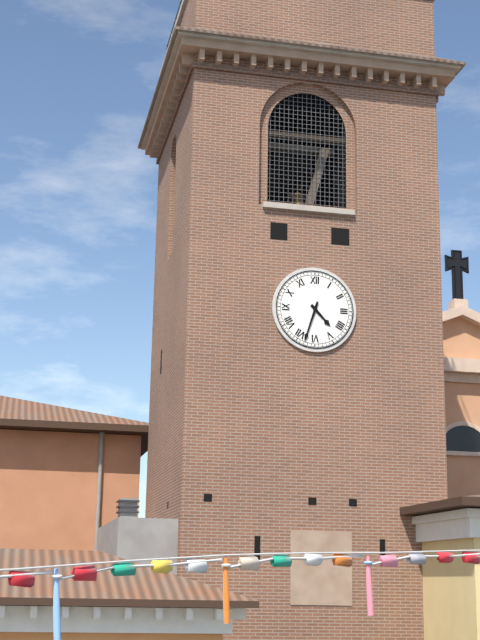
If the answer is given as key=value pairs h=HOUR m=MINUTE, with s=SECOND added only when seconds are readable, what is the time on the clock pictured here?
h=4 m=33
